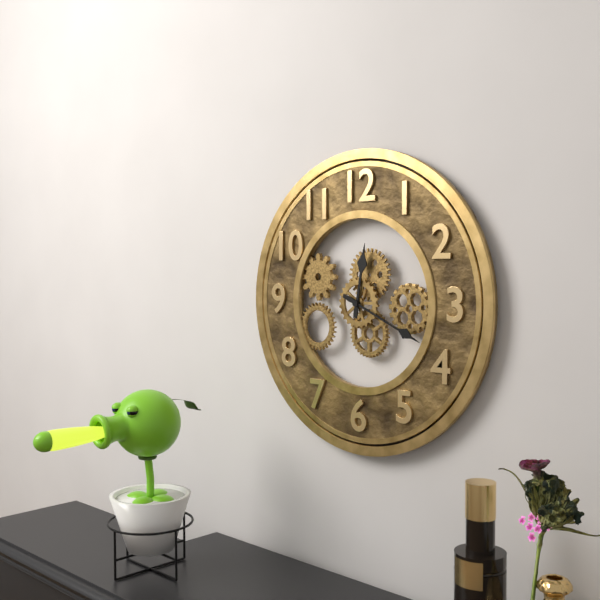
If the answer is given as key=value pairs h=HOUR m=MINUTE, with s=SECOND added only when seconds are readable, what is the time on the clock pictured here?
h=12 m=19
